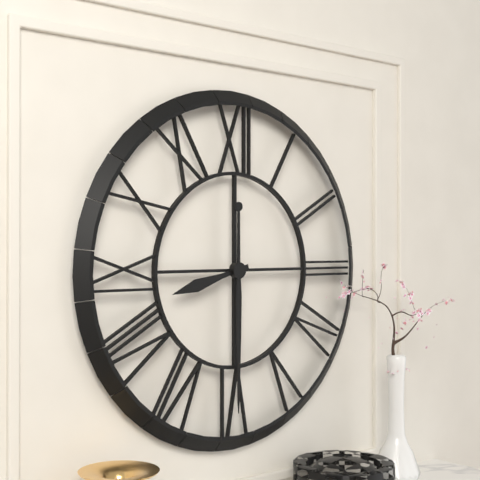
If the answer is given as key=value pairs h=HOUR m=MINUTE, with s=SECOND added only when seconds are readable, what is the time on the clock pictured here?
h=8 m=30
